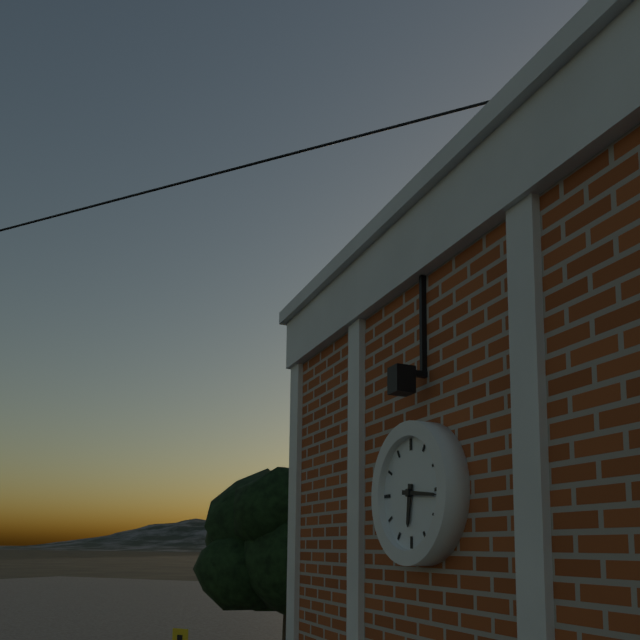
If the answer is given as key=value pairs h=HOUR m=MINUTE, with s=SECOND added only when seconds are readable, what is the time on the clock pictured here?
h=6 m=16
